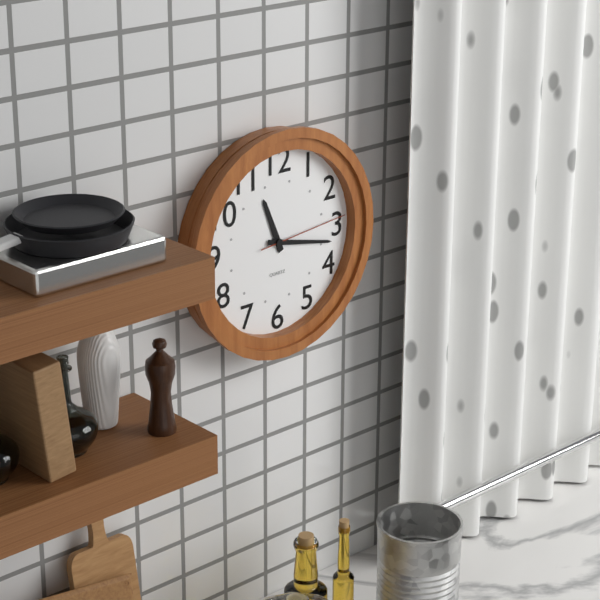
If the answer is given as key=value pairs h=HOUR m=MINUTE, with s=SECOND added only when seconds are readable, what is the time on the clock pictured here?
h=11 m=17 s=14
